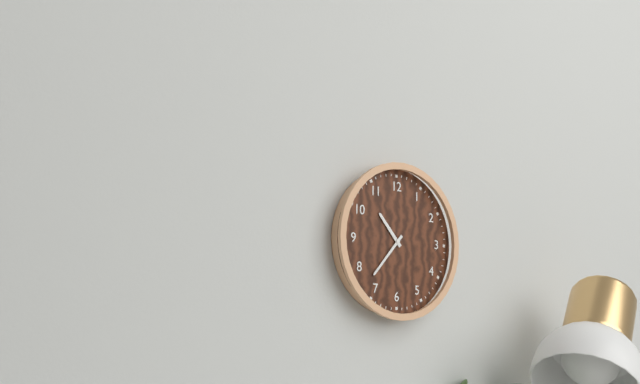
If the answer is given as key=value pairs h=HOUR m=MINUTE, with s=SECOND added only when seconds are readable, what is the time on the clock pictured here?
h=10 m=37
